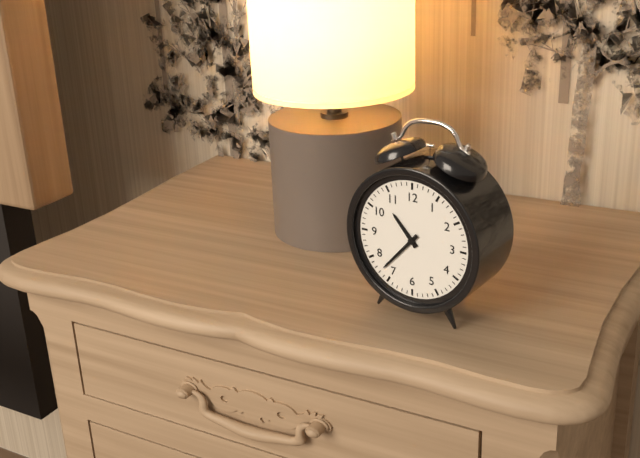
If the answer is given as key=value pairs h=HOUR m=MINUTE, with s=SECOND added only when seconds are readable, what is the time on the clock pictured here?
h=10 m=37
